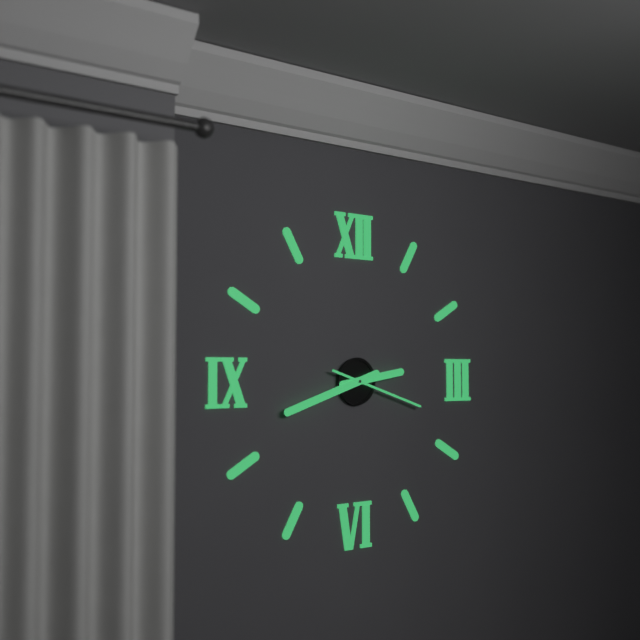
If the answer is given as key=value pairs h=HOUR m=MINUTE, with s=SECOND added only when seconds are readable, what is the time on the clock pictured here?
h=2 m=42 s=18
